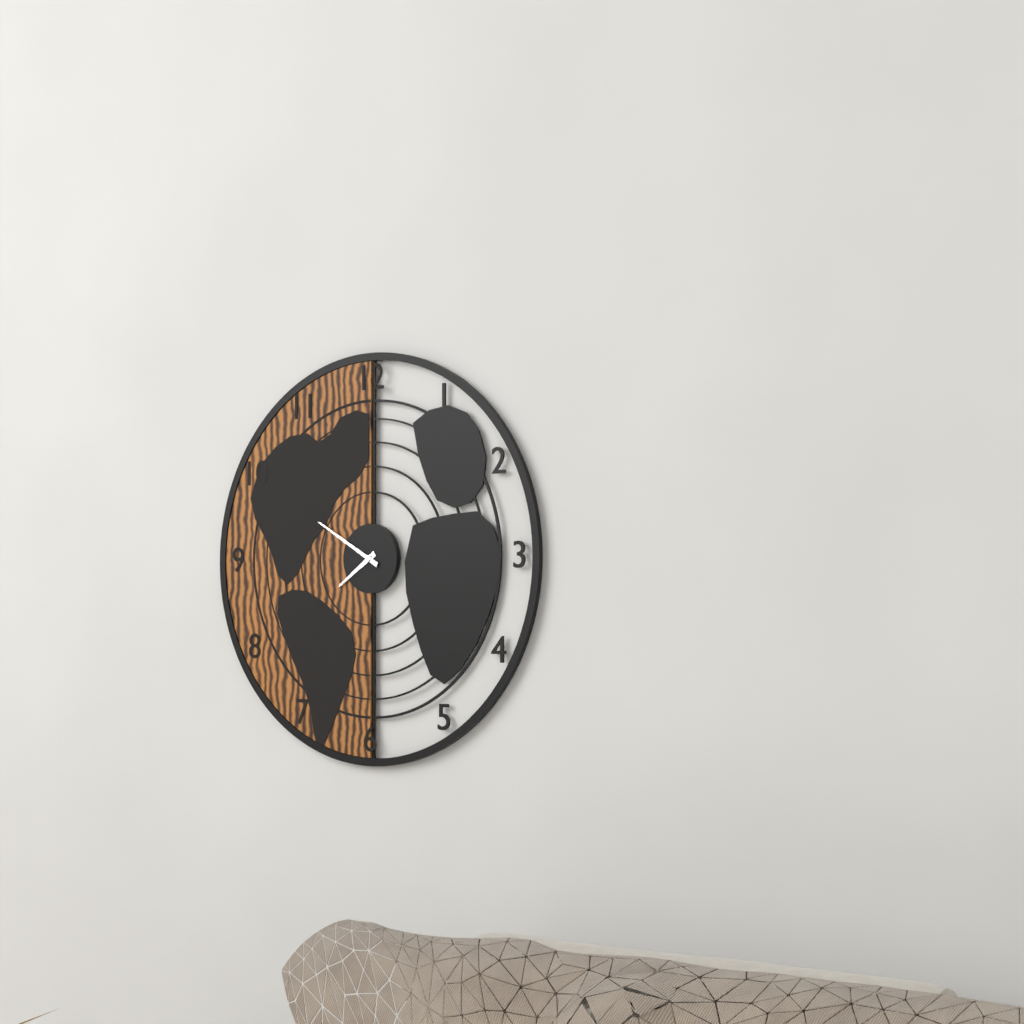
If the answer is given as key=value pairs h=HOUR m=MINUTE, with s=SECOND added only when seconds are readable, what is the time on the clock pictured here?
h=7 m=50
